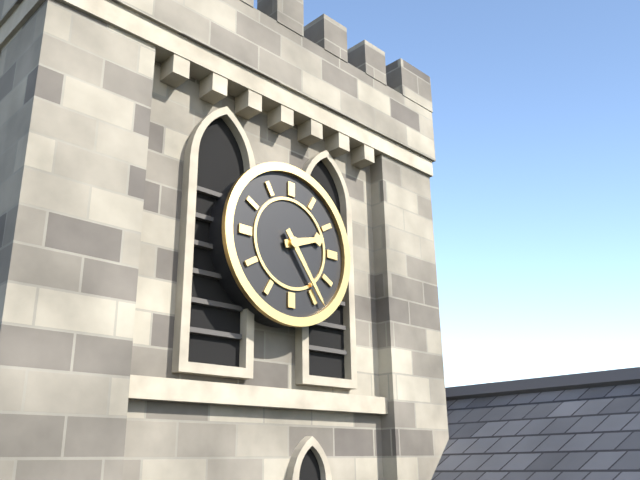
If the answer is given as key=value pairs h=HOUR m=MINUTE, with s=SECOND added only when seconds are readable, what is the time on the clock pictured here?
h=2 m=24
